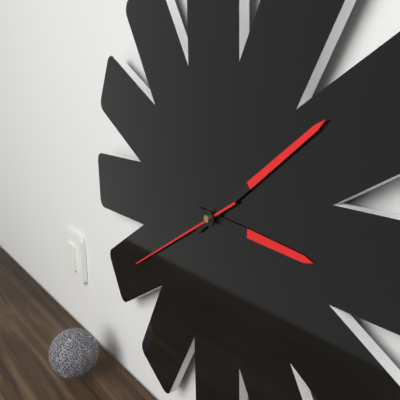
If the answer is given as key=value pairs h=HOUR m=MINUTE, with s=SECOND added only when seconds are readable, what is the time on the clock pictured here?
h=3 m=9 s=40
